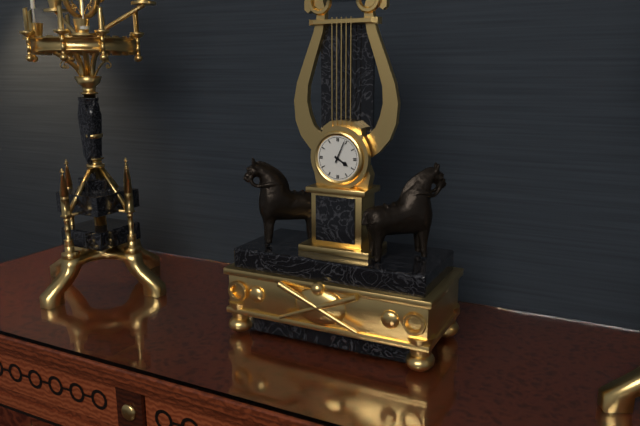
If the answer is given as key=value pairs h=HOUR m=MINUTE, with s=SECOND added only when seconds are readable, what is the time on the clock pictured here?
h=4 m=4
